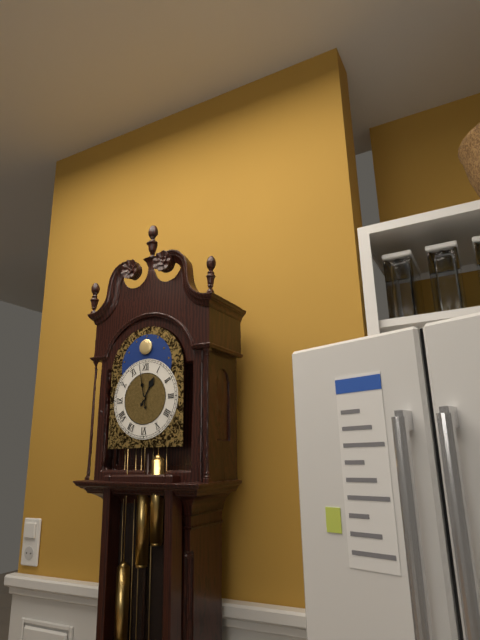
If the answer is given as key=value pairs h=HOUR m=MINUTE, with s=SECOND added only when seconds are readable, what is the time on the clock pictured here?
h=12 m=58
